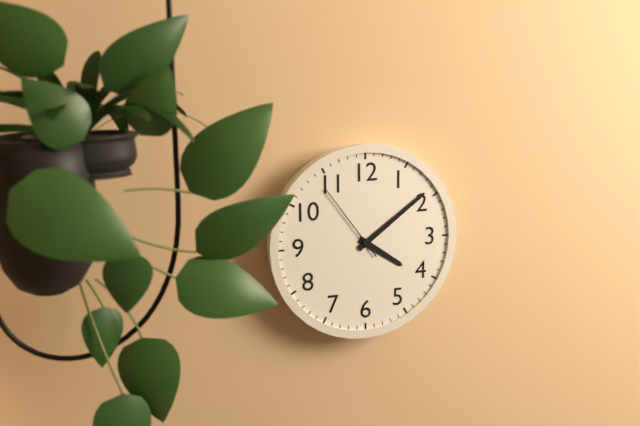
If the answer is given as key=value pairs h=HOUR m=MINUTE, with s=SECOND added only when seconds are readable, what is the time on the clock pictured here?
h=4 m=9 s=54
